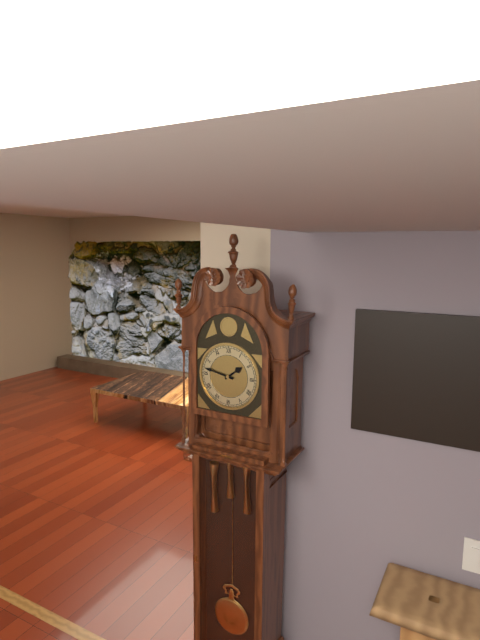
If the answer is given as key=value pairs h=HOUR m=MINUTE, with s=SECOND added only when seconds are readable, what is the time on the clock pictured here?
h=1 m=47
